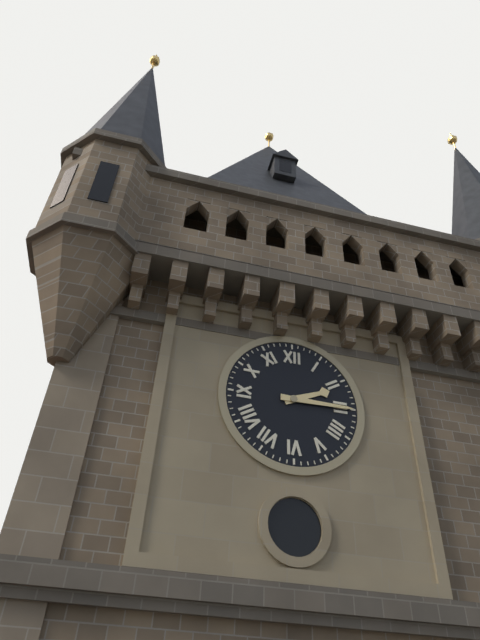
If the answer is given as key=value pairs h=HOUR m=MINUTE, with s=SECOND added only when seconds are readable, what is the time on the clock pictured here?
h=2 m=15
